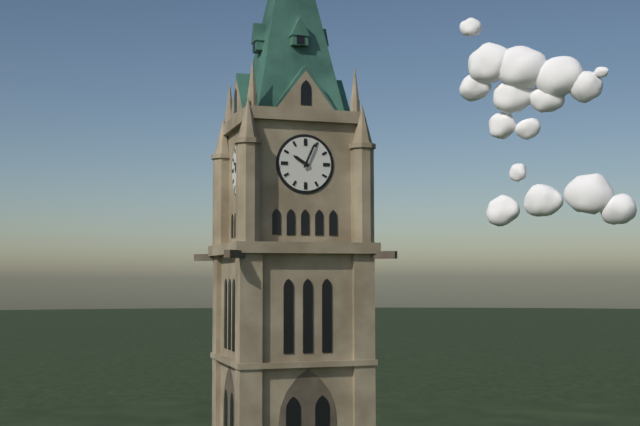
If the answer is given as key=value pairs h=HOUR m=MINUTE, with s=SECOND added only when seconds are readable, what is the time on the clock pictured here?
h=10 m=4
